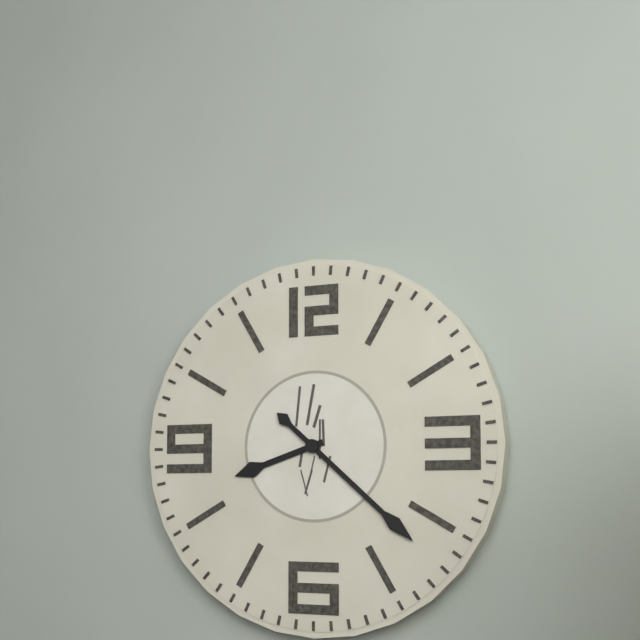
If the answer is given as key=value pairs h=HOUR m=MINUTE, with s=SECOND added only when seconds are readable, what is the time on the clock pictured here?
h=8 m=22
